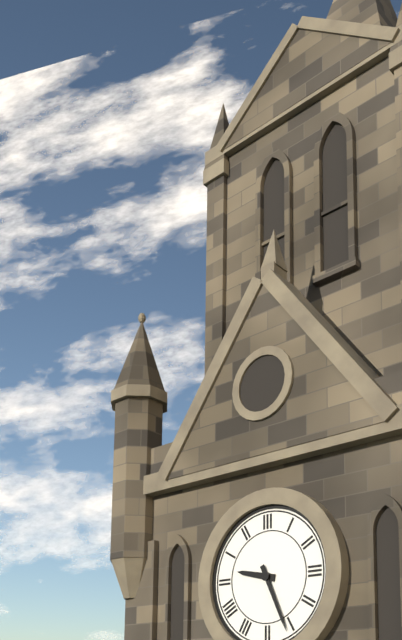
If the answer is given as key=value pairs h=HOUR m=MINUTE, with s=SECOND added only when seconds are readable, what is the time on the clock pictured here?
h=9 m=26
